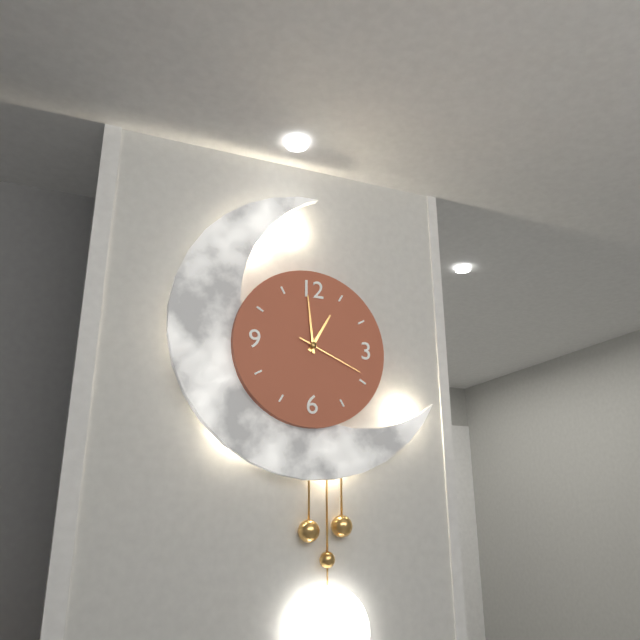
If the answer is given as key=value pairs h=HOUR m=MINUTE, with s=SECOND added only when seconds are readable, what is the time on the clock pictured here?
h=12 m=59 s=19
